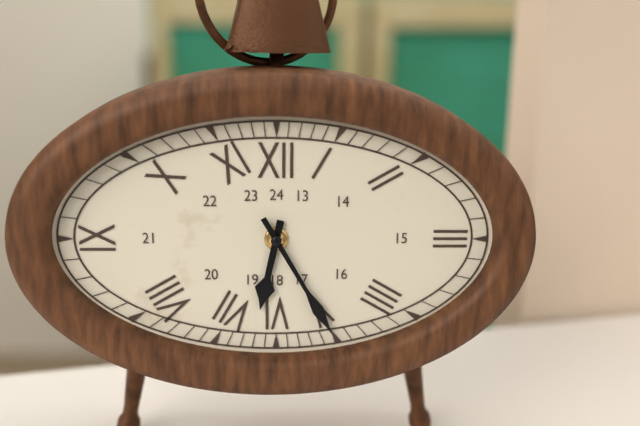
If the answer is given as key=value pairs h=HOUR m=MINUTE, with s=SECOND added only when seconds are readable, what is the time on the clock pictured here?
h=6 m=25
